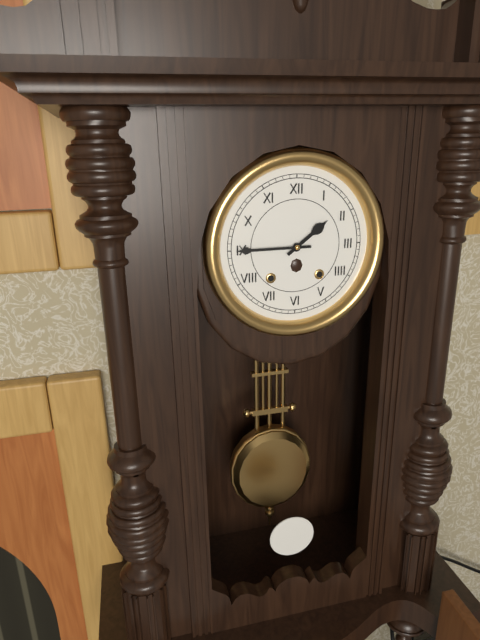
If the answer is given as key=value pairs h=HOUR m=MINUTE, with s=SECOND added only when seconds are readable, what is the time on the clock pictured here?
h=1 m=45
